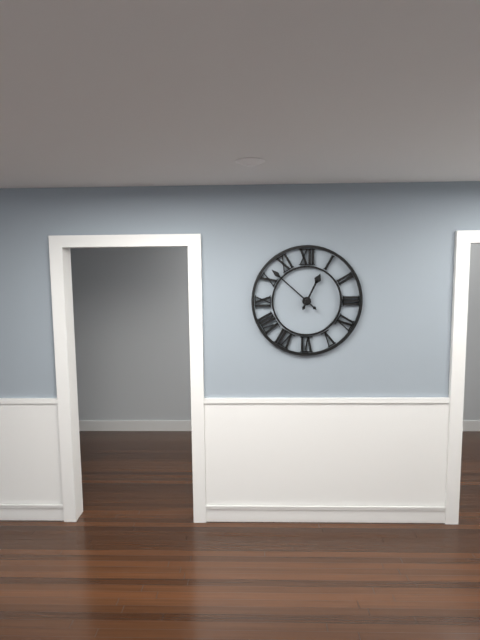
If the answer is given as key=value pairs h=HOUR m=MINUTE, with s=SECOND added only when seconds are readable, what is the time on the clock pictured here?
h=12 m=52
